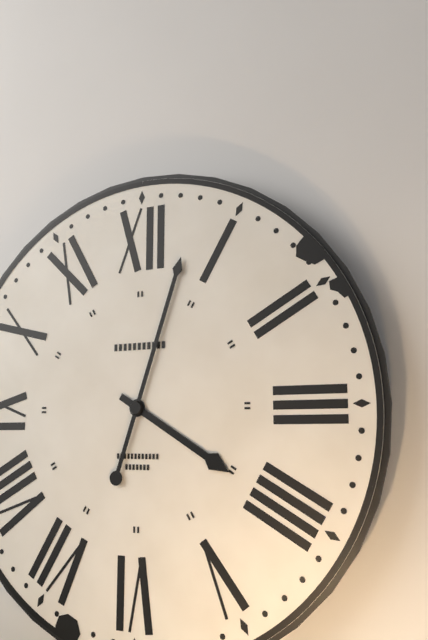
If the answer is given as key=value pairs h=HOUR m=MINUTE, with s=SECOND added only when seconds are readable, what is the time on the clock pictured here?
h=4 m=3
